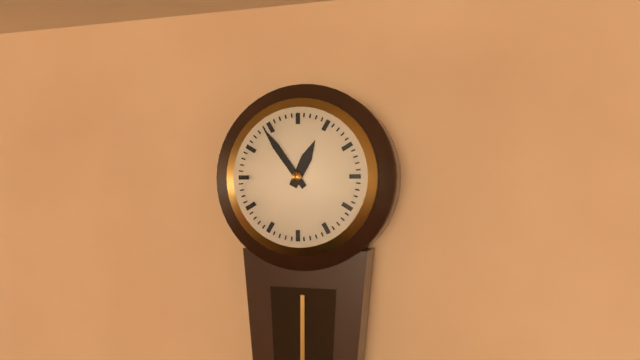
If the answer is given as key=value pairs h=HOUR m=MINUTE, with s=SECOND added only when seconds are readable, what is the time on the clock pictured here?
h=12 m=54
